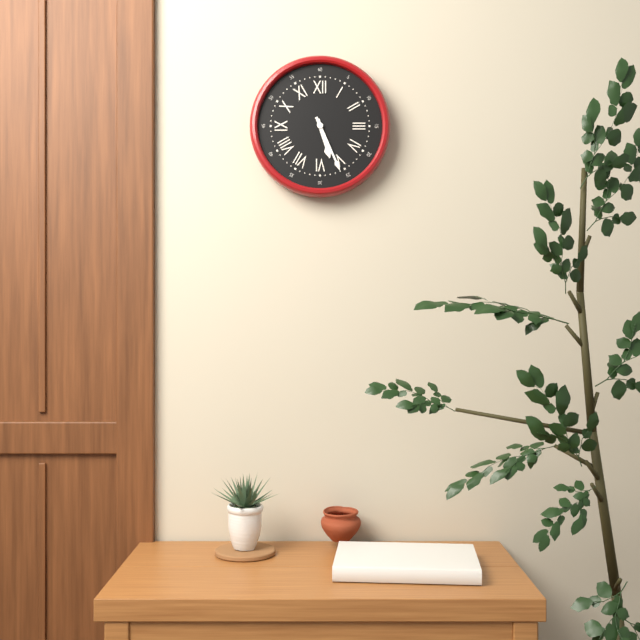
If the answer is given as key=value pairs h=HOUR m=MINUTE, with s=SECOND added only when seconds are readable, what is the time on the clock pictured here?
h=5 m=26
